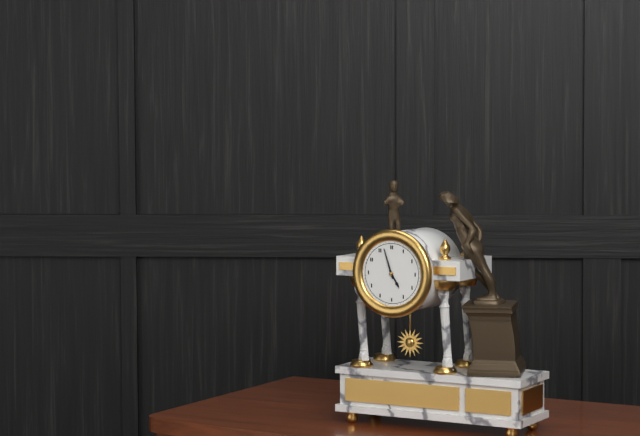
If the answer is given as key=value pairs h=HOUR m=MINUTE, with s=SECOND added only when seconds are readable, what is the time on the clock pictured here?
h=4 m=57
